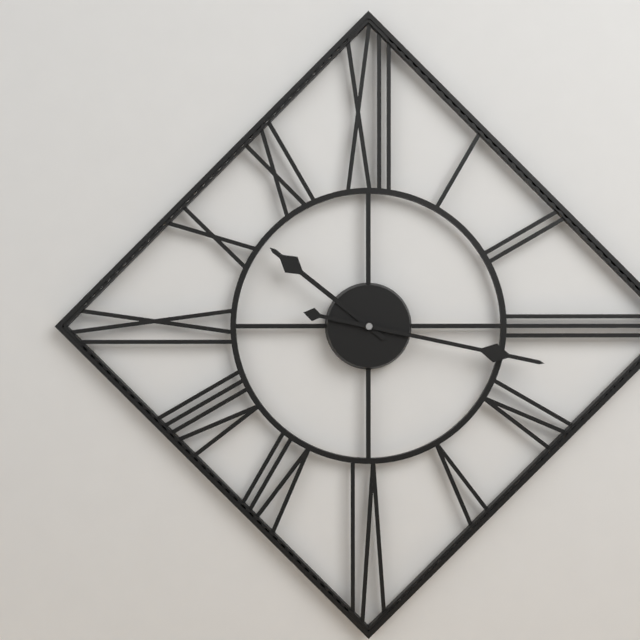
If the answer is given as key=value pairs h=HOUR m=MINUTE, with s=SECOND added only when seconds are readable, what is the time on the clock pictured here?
h=10 m=17
